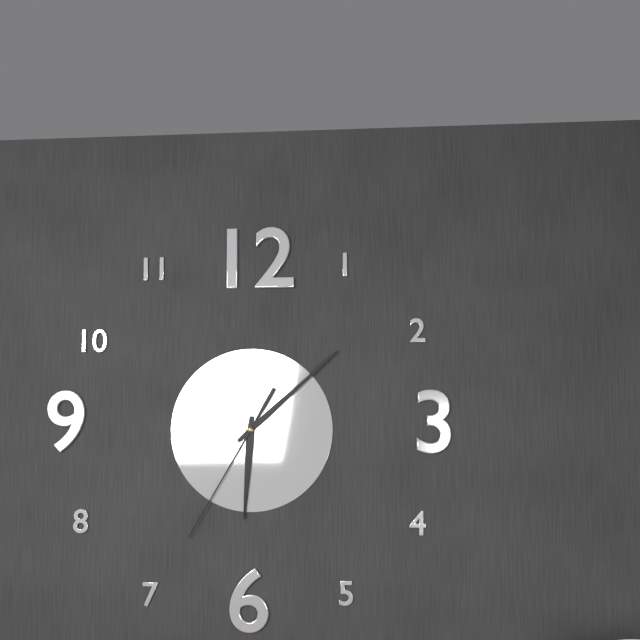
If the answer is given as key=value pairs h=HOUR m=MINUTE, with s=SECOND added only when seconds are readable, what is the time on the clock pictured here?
h=6 m=8 s=35
